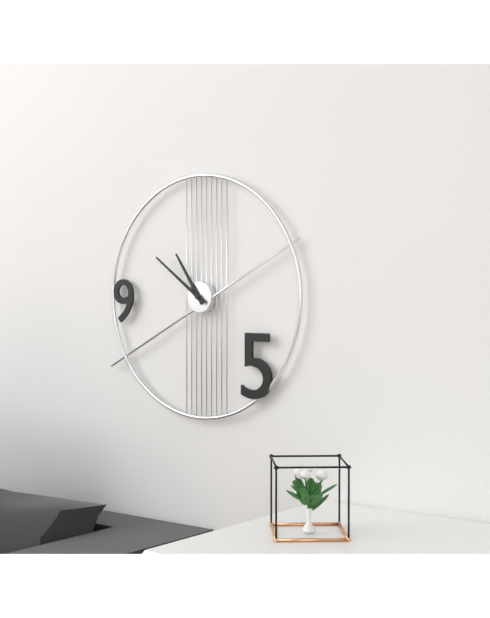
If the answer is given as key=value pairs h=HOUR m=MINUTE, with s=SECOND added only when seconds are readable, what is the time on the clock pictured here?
h=10 m=51
